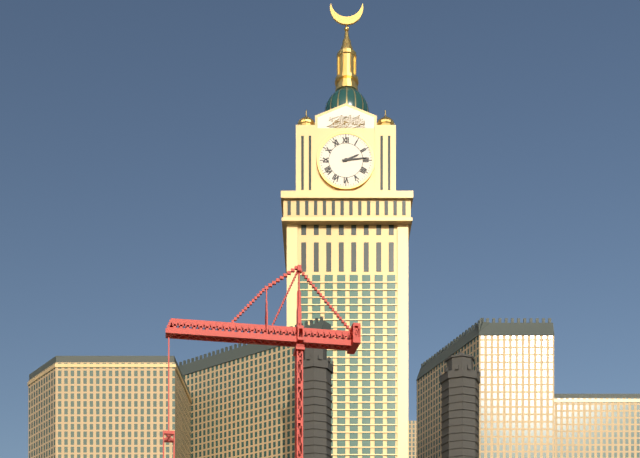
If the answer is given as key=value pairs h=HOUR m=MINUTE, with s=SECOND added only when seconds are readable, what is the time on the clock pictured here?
h=2 m=14
